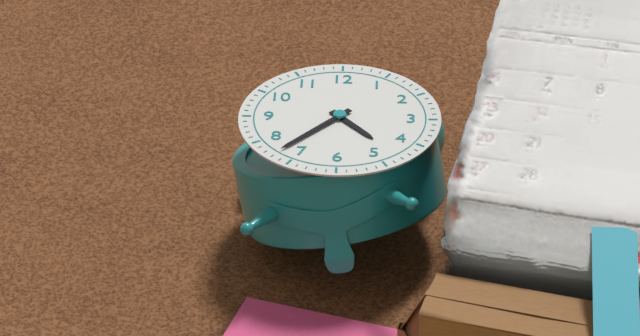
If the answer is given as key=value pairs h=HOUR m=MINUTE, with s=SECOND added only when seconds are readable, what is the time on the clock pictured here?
h=4 m=37
